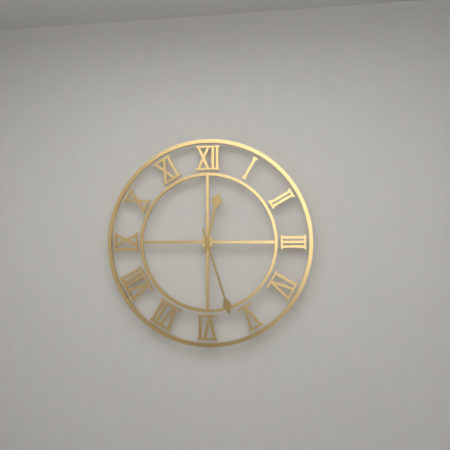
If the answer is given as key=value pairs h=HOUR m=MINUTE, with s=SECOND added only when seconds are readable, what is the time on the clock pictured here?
h=12 m=27
